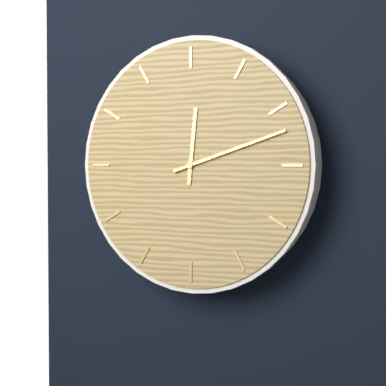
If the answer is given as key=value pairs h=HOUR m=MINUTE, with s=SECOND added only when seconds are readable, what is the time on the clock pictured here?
h=12 m=12
